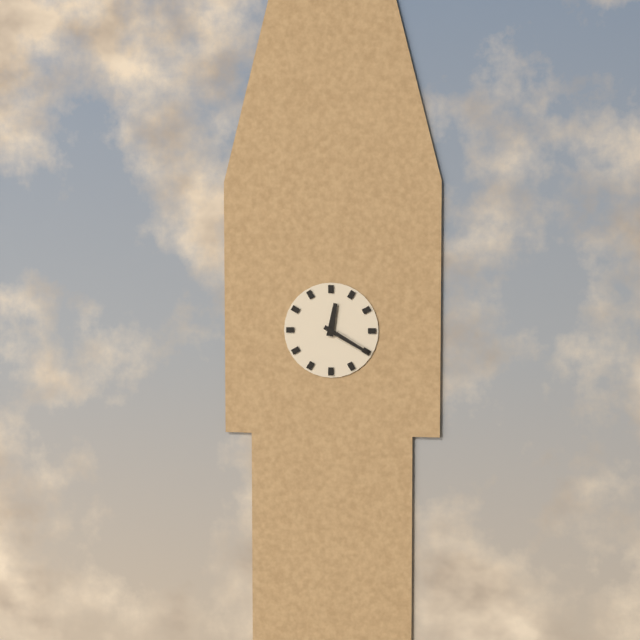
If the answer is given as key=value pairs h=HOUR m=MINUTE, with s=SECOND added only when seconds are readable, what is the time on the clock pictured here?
h=12 m=20
